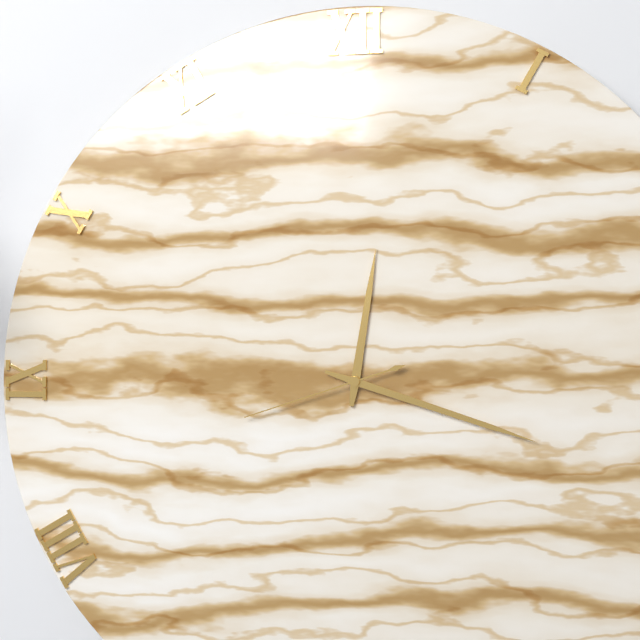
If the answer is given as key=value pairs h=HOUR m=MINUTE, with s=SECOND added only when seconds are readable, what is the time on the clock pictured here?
h=12 m=18 s=42
